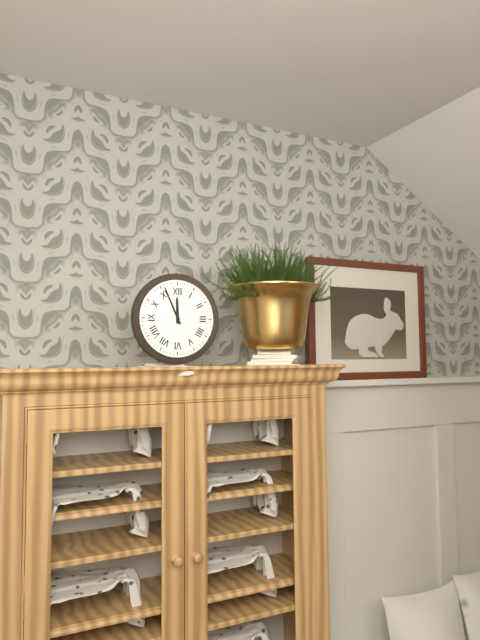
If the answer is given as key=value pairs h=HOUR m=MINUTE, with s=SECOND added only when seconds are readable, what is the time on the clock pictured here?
h=11 m=56
